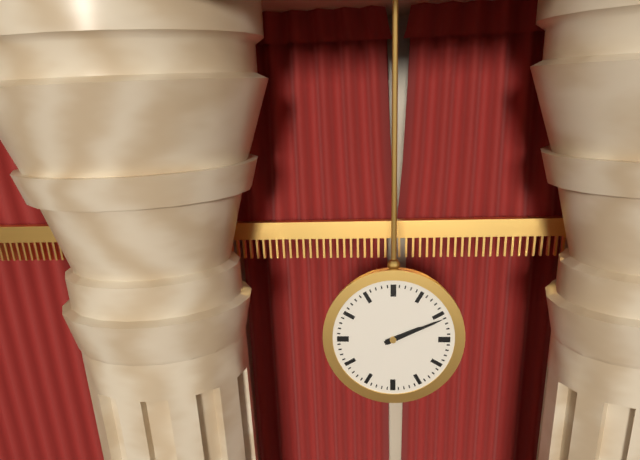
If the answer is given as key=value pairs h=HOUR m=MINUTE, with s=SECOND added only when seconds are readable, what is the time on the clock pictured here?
h=2 m=11
